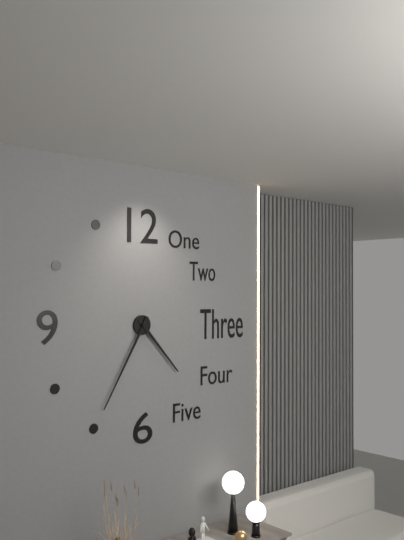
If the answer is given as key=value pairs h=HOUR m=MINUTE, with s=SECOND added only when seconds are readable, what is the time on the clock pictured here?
h=4 m=35
